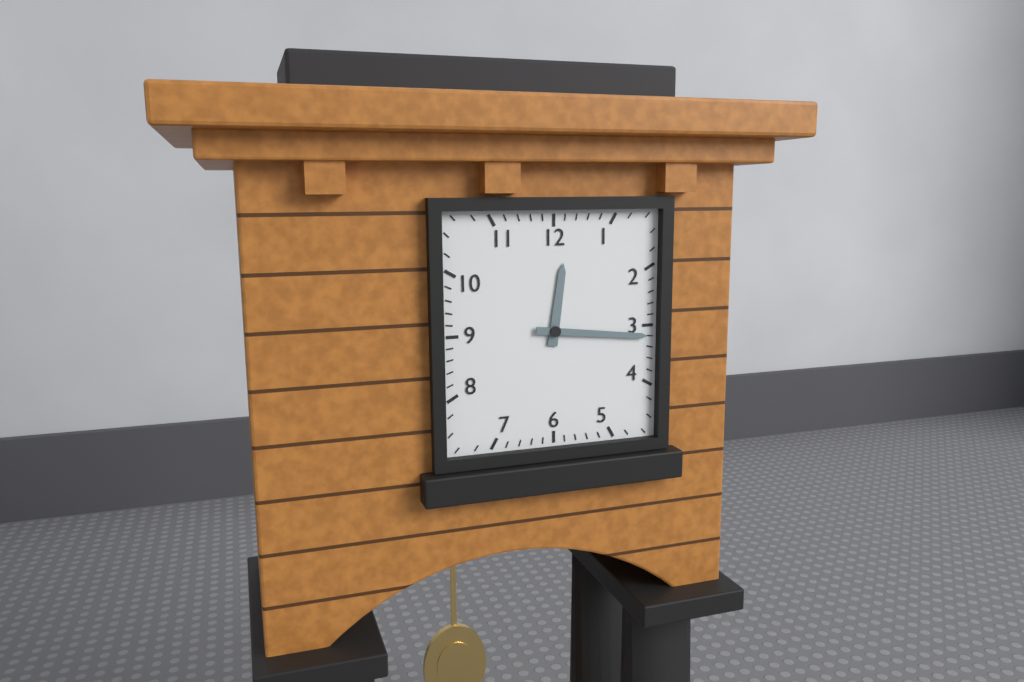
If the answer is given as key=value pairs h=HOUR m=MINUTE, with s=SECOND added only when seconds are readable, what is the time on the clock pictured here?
h=12 m=16
